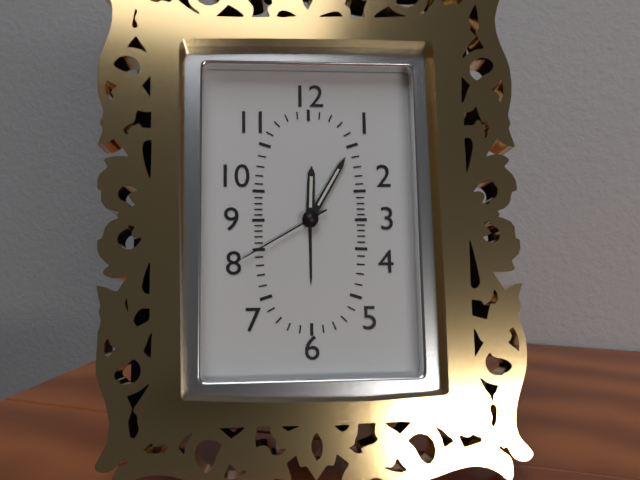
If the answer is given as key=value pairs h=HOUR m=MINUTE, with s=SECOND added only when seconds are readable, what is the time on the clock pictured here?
h=12 m=5 s=40
